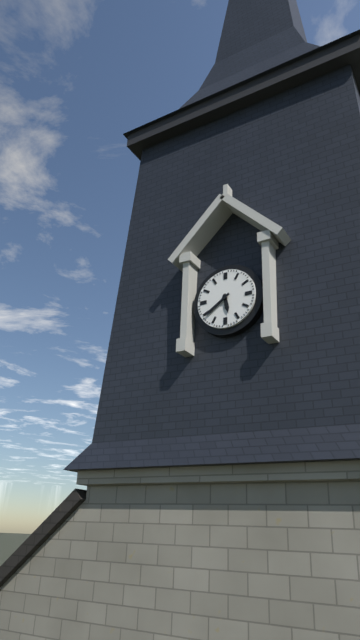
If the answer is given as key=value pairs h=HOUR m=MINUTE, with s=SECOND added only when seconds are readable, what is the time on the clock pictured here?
h=5 m=39
